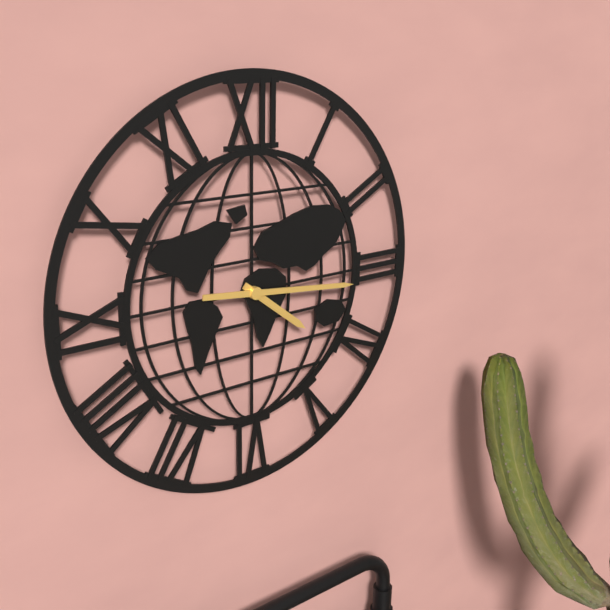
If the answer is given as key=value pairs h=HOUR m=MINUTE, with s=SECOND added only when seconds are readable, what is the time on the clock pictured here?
h=4 m=16
